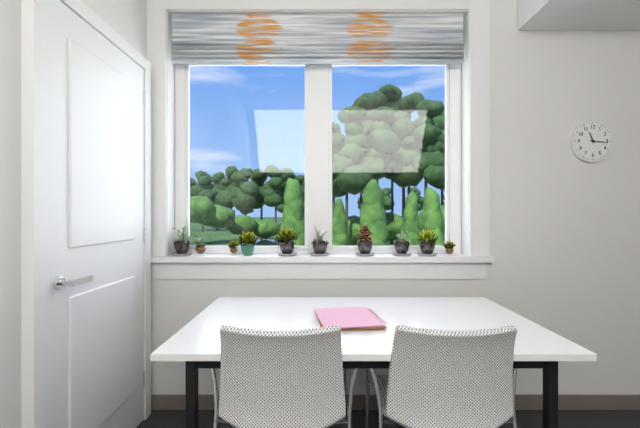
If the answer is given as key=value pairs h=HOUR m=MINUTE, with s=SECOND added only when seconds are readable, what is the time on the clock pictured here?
h=11 m=16
